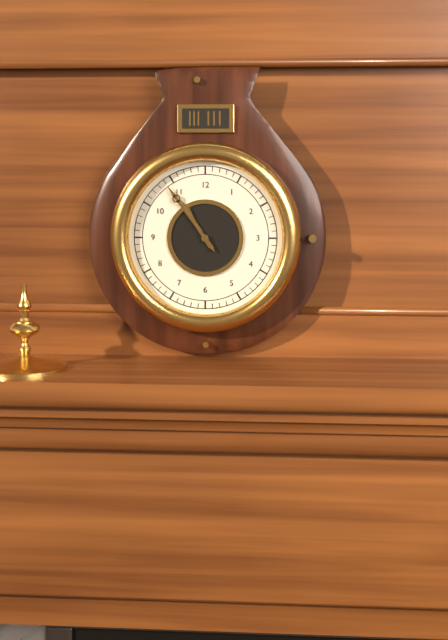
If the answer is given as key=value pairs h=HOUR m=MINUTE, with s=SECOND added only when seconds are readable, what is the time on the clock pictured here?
h=10 m=54
